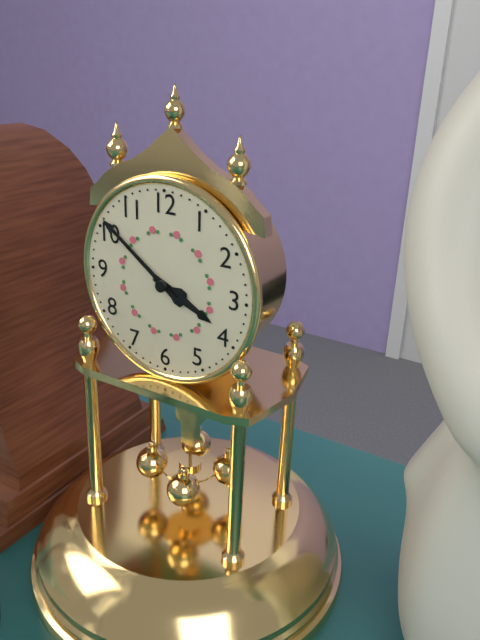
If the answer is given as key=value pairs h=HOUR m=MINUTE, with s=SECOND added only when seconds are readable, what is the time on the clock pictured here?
h=3 m=51
